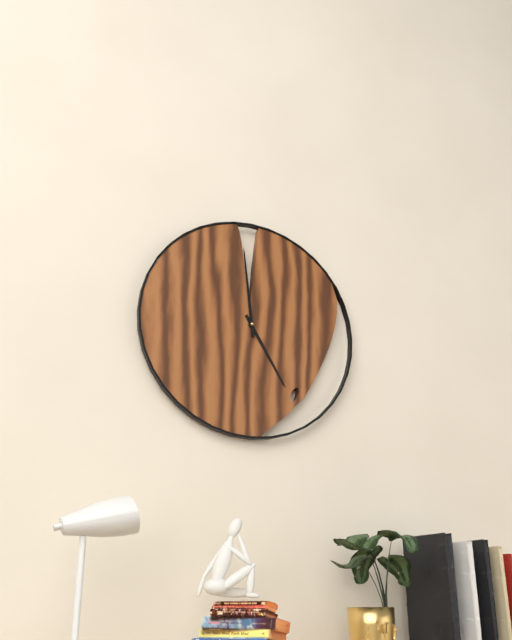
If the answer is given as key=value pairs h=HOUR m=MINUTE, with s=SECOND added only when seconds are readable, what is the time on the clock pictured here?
h=4 m=59
